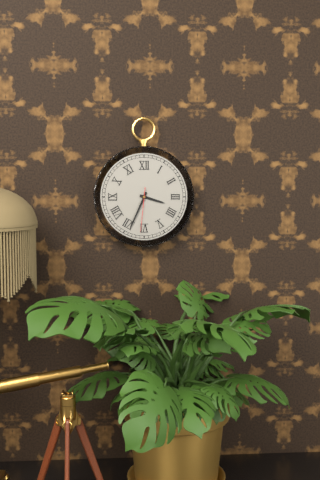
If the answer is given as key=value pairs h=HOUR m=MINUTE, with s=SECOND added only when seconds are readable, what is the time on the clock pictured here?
h=3 m=34
